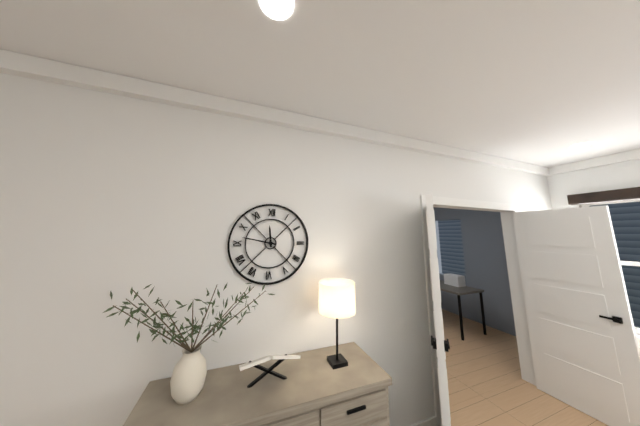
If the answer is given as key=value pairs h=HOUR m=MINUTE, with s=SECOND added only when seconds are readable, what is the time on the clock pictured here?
h=11 m=47
